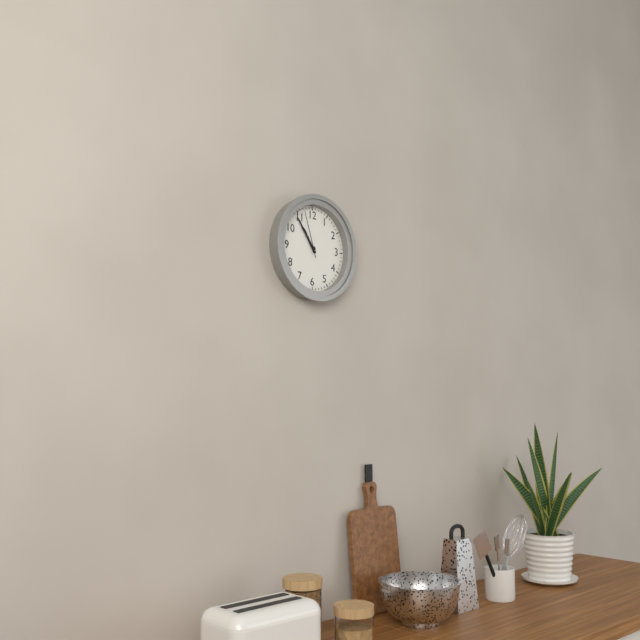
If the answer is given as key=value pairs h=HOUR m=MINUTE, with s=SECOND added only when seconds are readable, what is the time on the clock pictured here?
h=10 m=54
